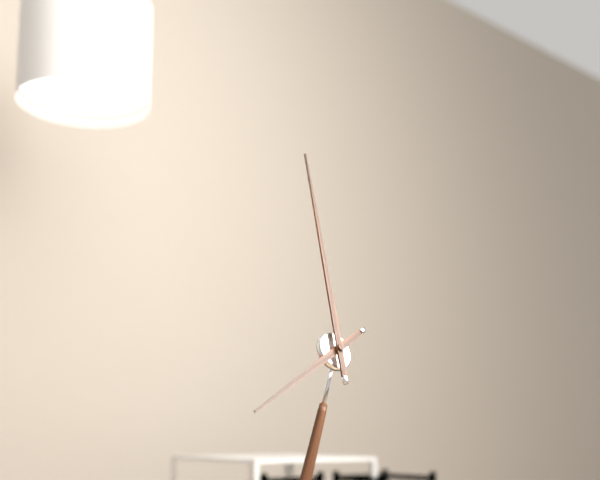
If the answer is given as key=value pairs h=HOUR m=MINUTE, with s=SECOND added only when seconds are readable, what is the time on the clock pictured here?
h=8 m=1
